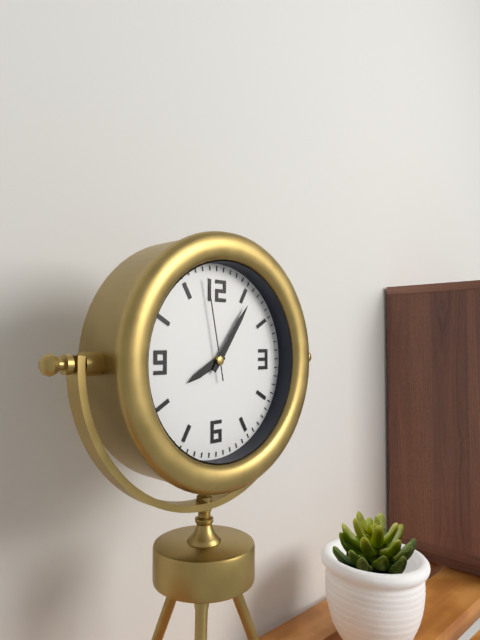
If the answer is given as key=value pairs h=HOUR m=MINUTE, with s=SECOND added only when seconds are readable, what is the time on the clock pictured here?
h=8 m=6 s=58
